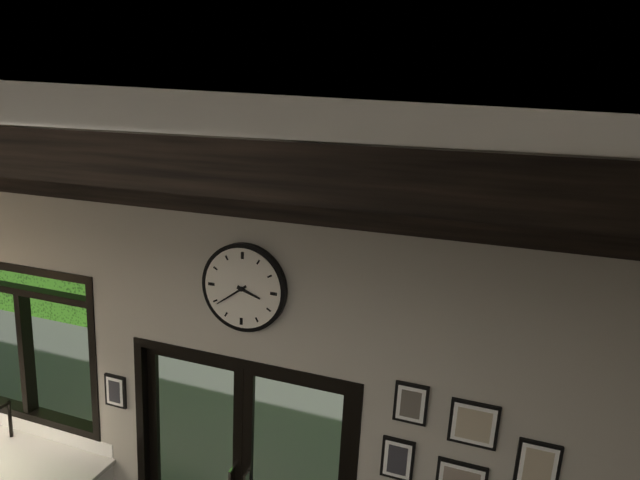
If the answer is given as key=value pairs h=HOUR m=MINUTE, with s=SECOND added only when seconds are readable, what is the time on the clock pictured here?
h=3 m=39
